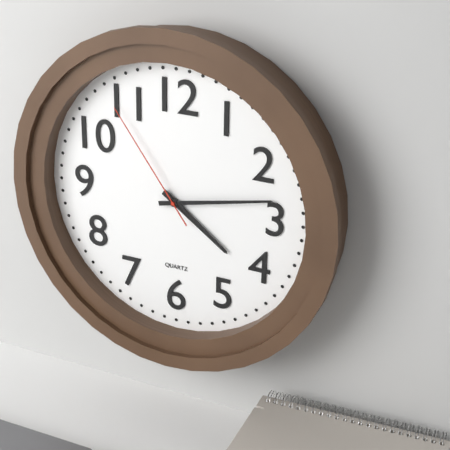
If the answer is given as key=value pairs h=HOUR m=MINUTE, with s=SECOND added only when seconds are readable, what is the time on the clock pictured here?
h=4 m=13 s=54
